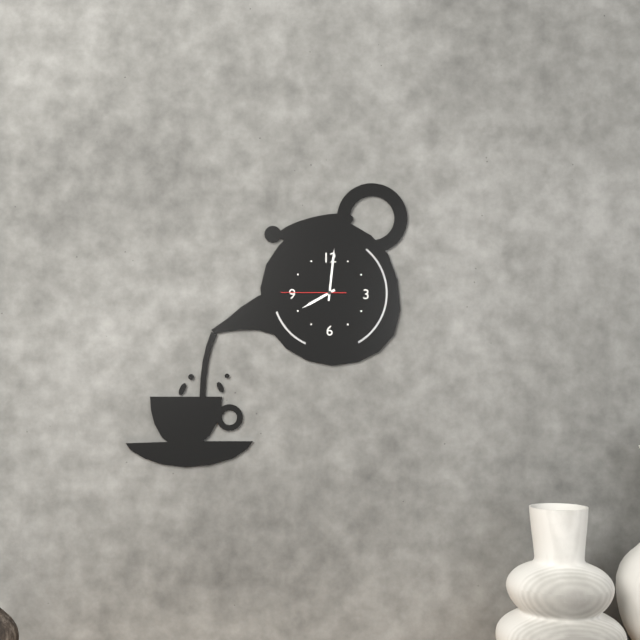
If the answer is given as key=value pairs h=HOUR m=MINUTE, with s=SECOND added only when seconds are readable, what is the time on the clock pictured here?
h=8 m=1 s=45
